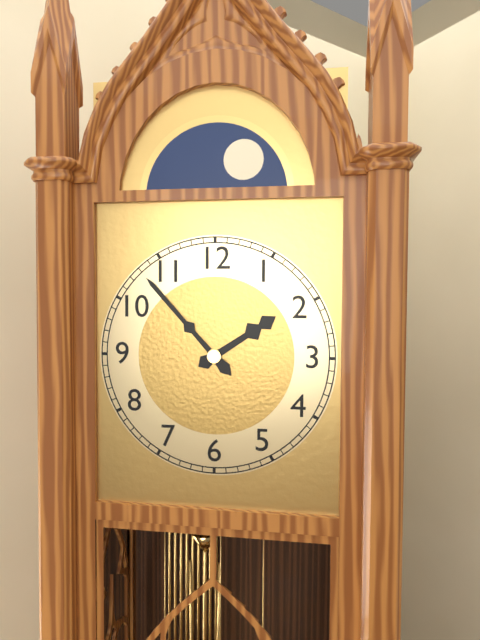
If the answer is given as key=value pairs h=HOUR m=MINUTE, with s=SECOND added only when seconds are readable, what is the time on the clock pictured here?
h=1 m=53
